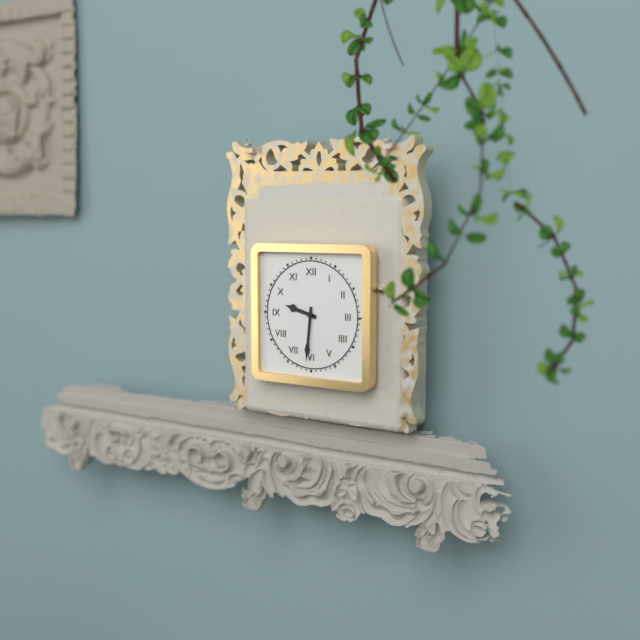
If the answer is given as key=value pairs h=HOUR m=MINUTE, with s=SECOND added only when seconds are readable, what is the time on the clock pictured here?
h=9 m=31
